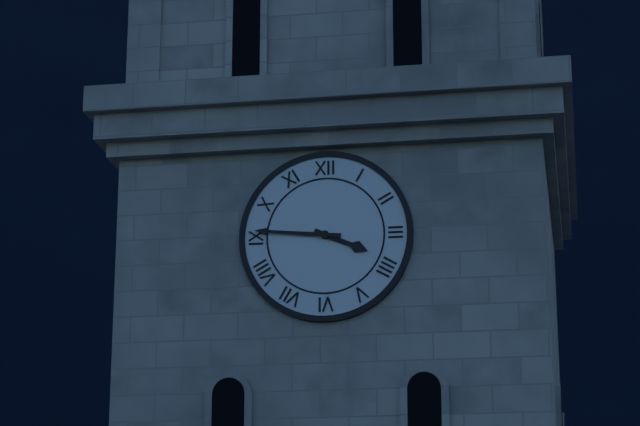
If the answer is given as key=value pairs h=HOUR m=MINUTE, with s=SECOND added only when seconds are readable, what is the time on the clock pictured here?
h=3 m=46
